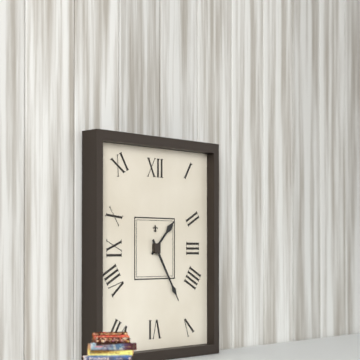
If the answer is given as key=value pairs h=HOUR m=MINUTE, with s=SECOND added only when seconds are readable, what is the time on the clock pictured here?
h=1 m=25
